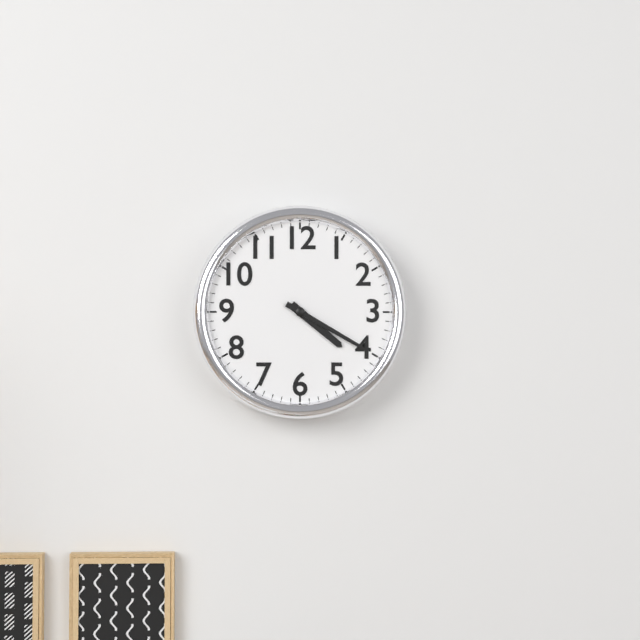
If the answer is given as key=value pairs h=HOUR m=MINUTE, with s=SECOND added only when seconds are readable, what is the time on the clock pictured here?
h=4 m=20
